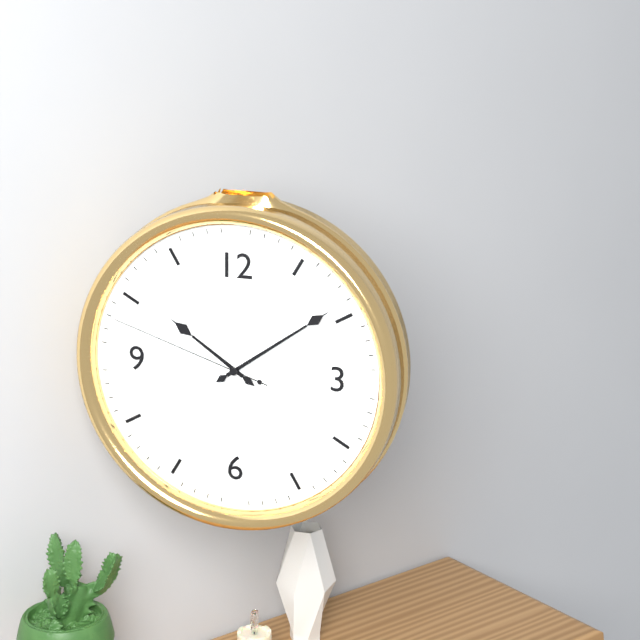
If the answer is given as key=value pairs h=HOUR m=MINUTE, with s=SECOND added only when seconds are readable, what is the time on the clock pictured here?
h=10 m=9 s=48
